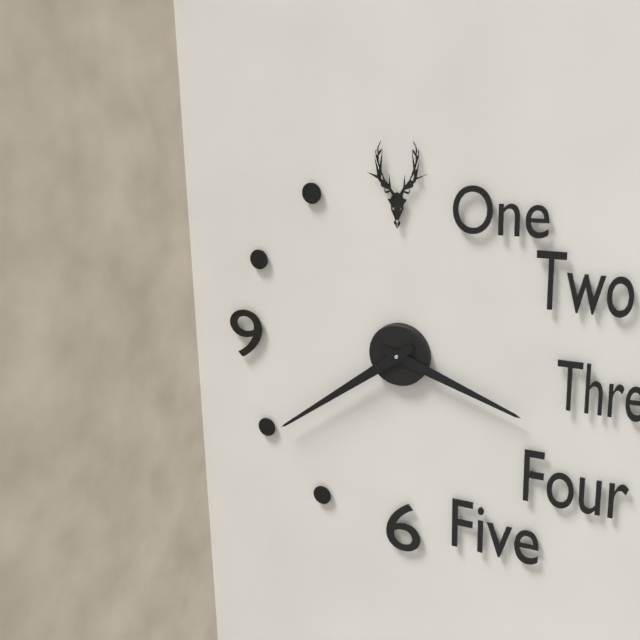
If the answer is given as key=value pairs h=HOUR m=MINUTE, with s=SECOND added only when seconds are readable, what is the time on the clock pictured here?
h=3 m=39
